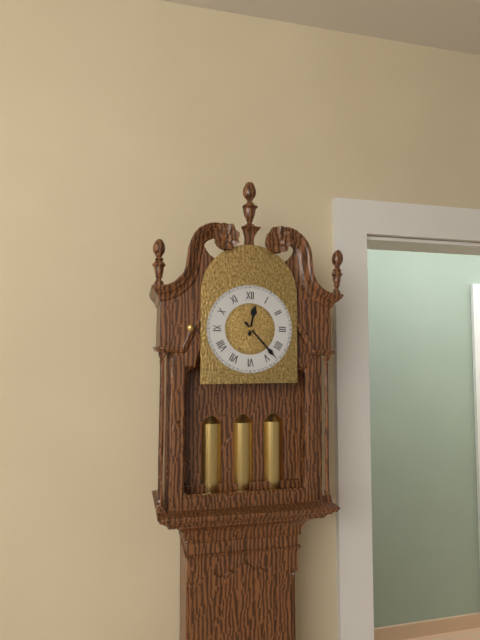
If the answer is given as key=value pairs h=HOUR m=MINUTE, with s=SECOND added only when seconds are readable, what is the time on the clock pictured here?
h=12 m=23
